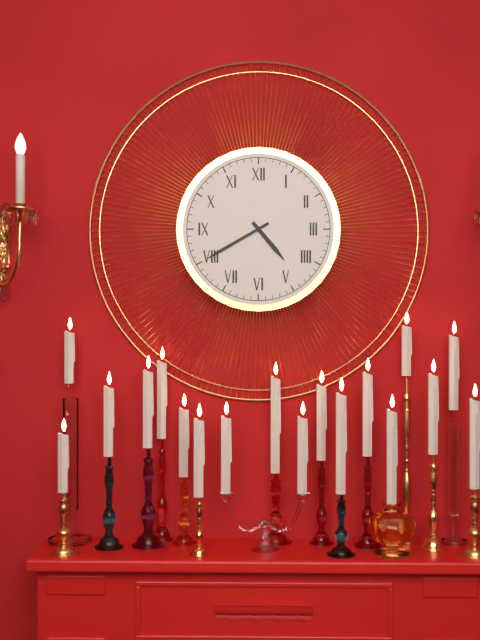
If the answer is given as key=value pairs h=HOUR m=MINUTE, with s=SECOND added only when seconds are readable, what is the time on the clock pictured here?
h=4 m=40
